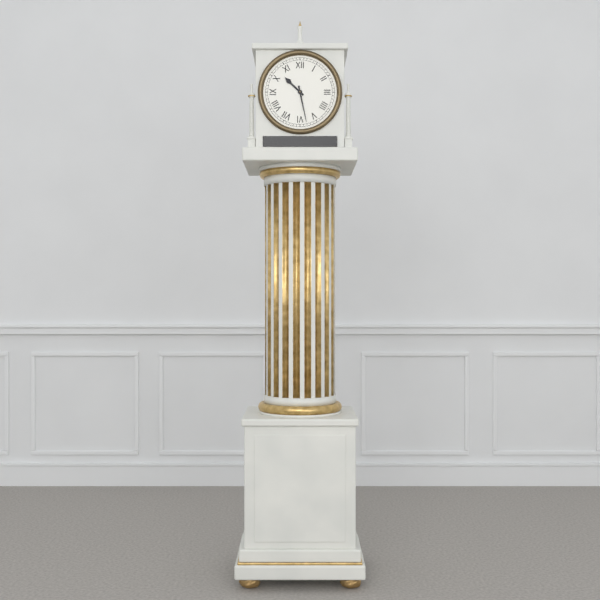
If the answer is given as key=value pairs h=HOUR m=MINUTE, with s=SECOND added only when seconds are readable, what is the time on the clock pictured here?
h=10 m=28
